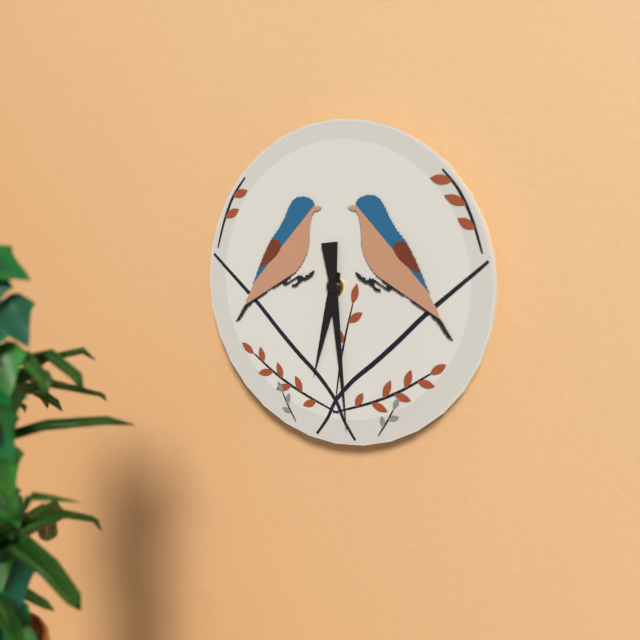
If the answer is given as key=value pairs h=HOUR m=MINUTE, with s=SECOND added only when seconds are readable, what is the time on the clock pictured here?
h=6 m=29
